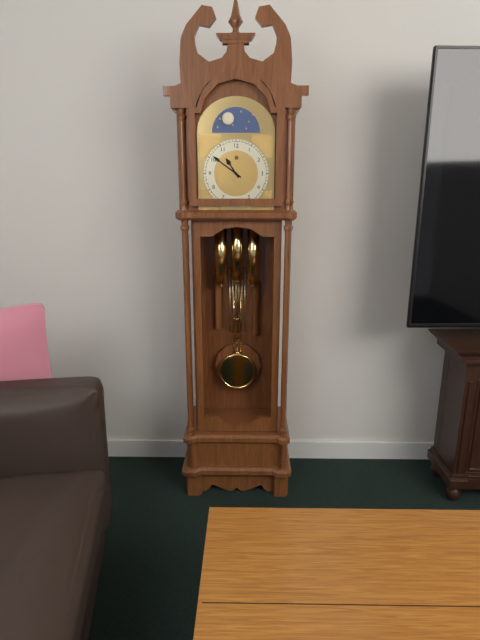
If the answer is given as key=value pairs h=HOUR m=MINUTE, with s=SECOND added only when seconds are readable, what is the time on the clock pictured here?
h=10 m=51
